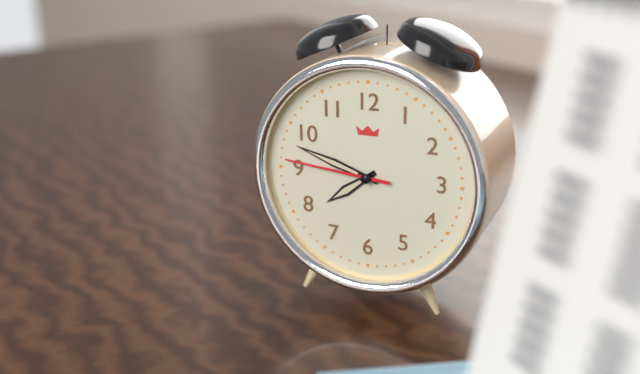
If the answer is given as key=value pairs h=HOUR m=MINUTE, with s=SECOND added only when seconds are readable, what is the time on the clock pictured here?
h=7 m=48 s=46
